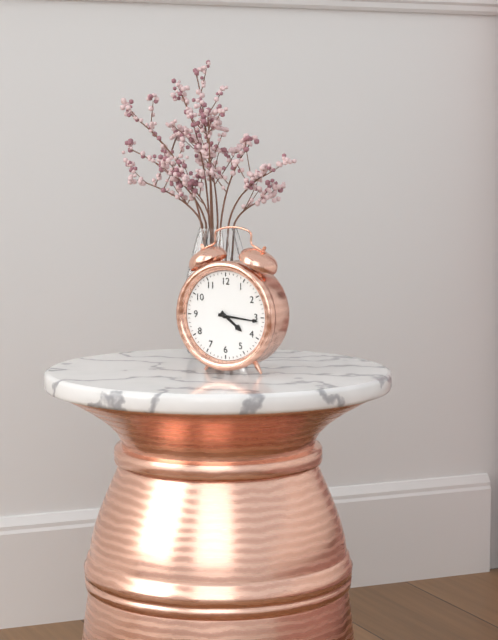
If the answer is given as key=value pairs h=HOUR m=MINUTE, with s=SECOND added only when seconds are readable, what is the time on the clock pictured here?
h=4 m=16
